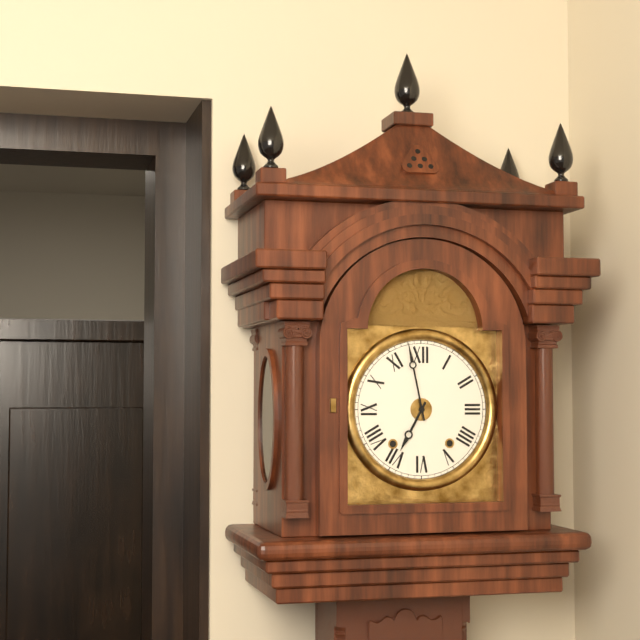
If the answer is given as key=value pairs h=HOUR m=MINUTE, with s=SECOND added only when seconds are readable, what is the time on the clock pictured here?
h=6 m=58
